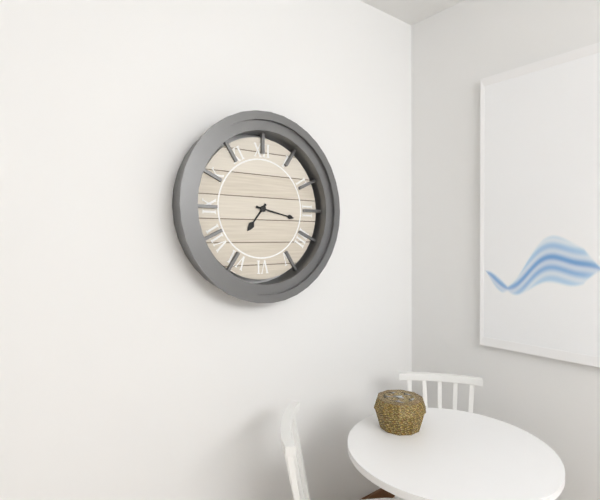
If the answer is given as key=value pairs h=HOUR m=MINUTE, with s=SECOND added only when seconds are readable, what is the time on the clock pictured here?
h=7 m=17
